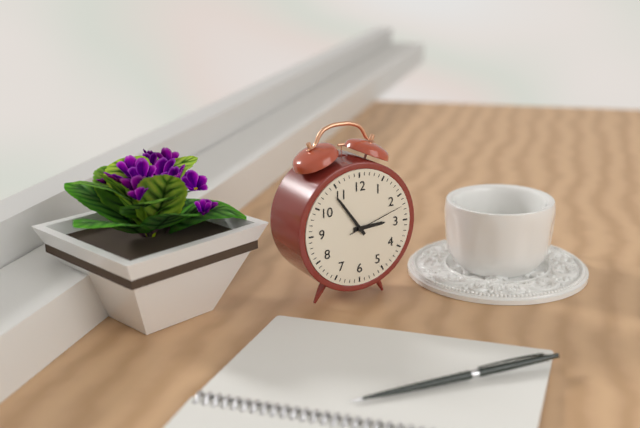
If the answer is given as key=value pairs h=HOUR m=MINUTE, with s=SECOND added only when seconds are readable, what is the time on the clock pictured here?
h=2 m=54 s=12
